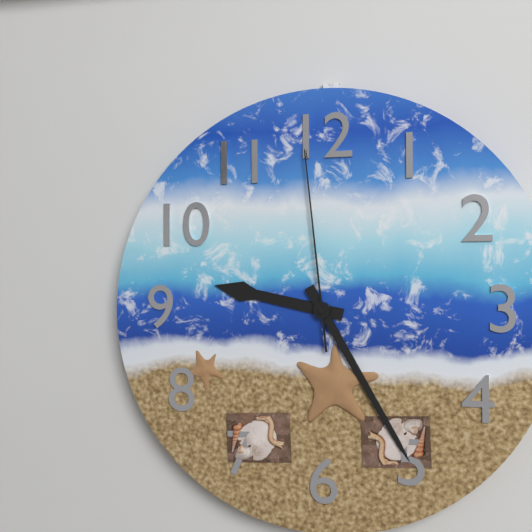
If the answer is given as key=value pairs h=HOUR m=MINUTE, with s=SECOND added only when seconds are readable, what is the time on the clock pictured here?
h=9 m=25 s=59
